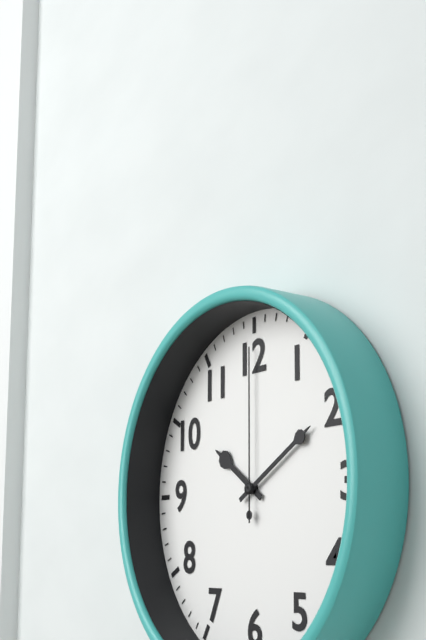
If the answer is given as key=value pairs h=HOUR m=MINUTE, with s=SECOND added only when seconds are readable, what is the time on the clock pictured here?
h=10 m=10 s=0
